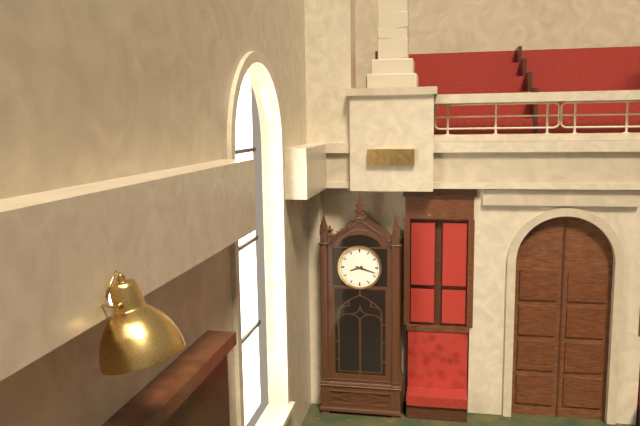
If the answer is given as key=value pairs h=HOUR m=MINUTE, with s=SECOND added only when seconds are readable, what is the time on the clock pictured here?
h=8 m=18
